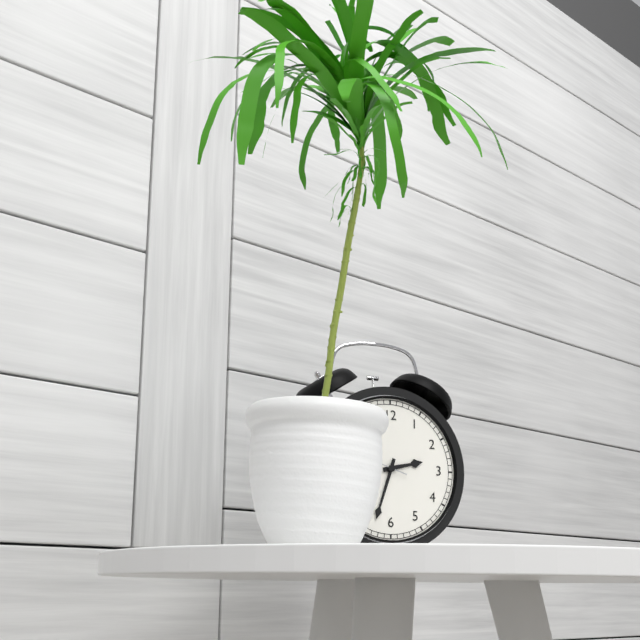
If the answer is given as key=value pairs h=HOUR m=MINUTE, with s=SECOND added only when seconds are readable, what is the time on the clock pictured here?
h=2 m=33
